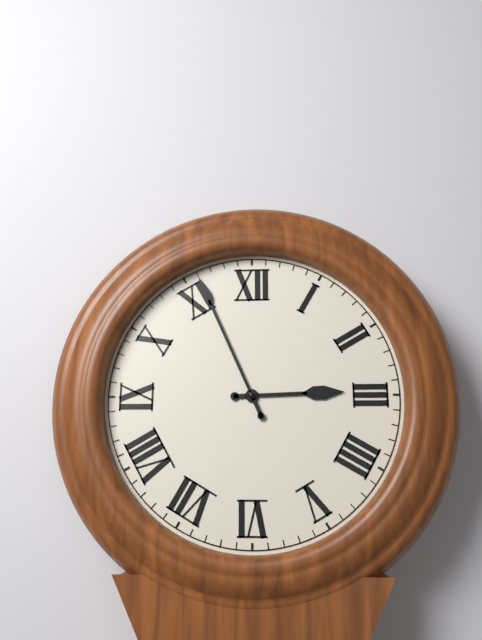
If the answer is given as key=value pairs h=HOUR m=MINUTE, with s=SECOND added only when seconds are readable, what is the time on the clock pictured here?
h=2 m=56
